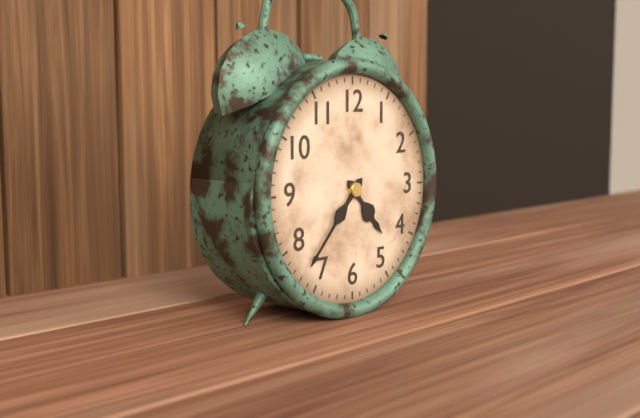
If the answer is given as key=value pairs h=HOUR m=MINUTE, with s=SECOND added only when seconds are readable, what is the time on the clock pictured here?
h=4 m=37
